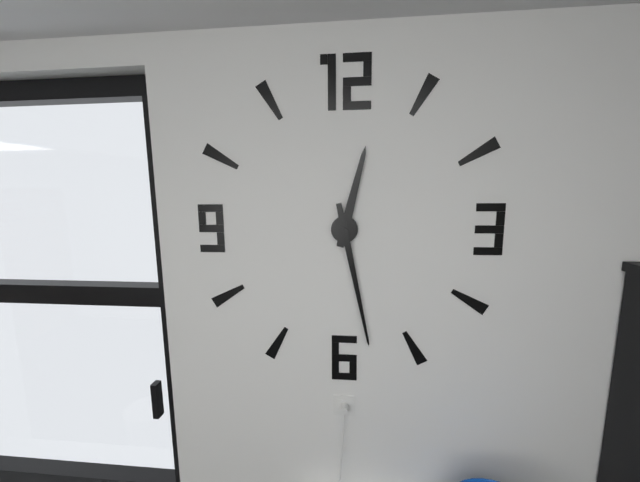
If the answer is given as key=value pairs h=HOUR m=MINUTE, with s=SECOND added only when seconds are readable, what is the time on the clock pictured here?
h=12 m=28
